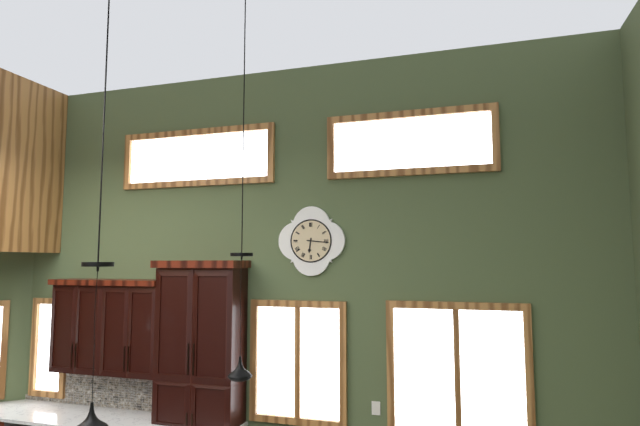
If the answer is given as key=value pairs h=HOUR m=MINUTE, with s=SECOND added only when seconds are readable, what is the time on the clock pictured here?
h=6 m=16
